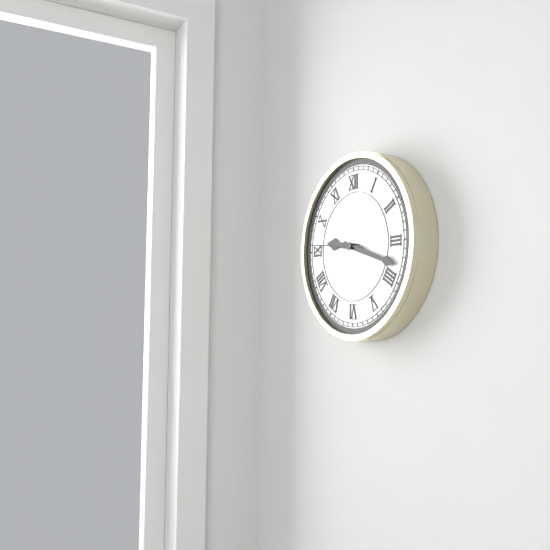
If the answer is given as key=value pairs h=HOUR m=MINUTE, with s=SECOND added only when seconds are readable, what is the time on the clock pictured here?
h=9 m=18 s=46
